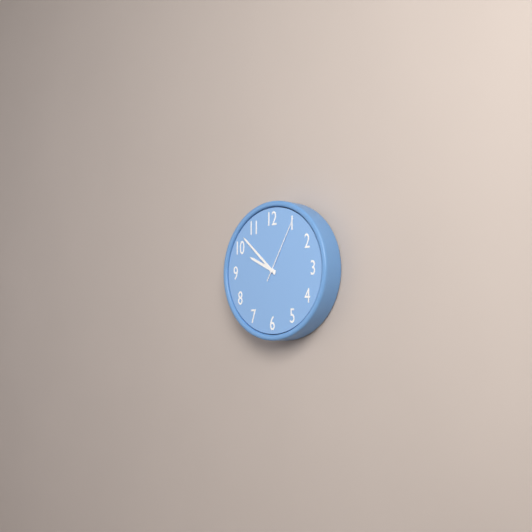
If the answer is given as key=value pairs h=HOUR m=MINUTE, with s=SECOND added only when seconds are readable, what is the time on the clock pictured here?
h=9 m=52 s=5
